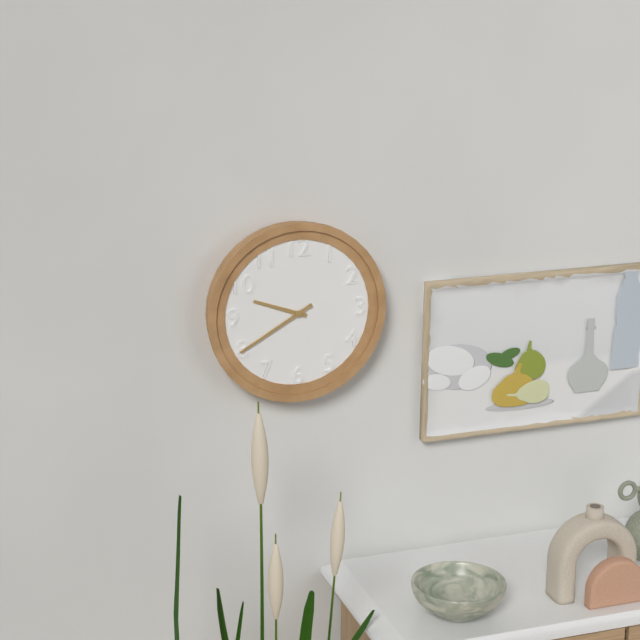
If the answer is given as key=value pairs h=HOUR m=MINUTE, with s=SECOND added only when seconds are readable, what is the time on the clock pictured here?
h=9 m=40
